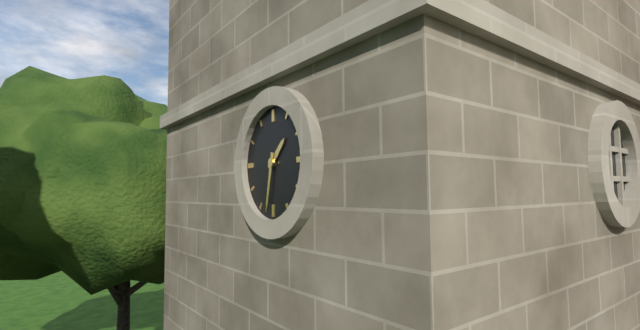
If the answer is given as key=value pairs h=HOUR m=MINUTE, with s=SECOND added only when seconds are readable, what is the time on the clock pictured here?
h=1 m=32
